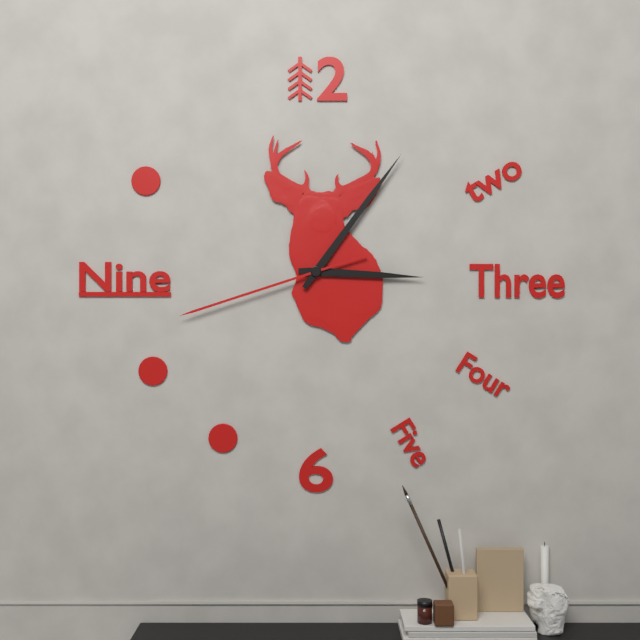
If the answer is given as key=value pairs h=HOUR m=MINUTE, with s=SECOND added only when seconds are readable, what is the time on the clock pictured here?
h=3 m=6 s=42
